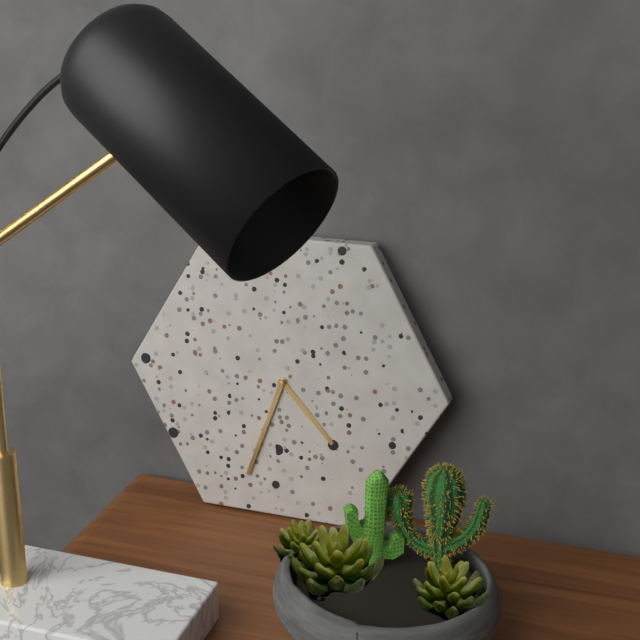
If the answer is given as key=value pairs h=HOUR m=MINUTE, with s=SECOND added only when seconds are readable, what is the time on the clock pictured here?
h=4 m=33
